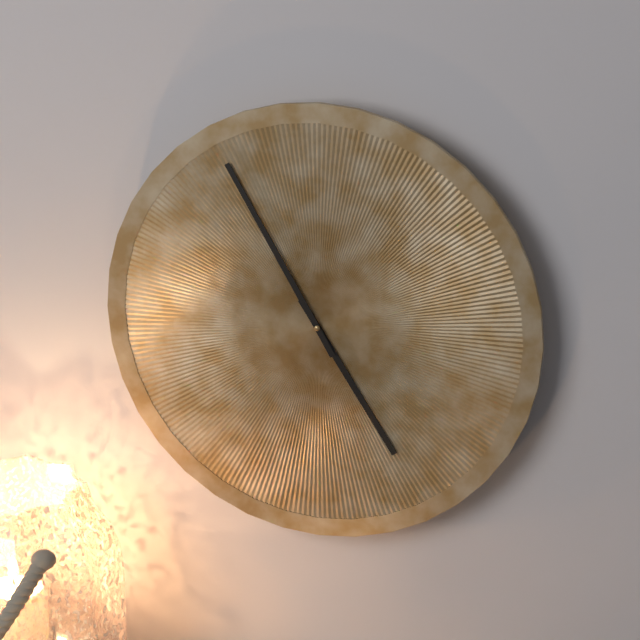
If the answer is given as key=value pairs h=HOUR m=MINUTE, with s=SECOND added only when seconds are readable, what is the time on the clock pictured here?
h=4 m=55
